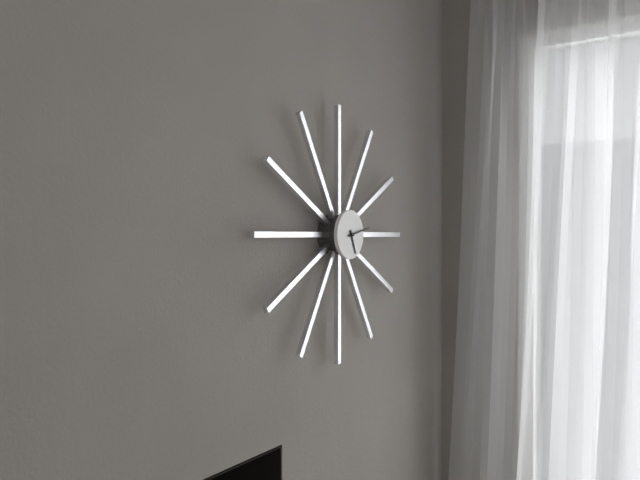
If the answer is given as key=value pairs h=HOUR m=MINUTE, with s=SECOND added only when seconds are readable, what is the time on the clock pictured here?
h=5 m=13
